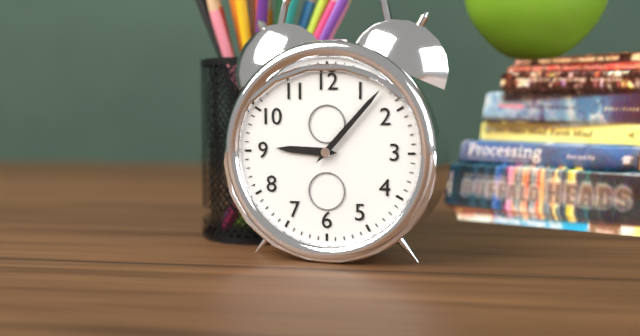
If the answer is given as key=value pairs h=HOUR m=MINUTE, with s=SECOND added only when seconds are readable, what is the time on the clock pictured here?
h=9 m=7
